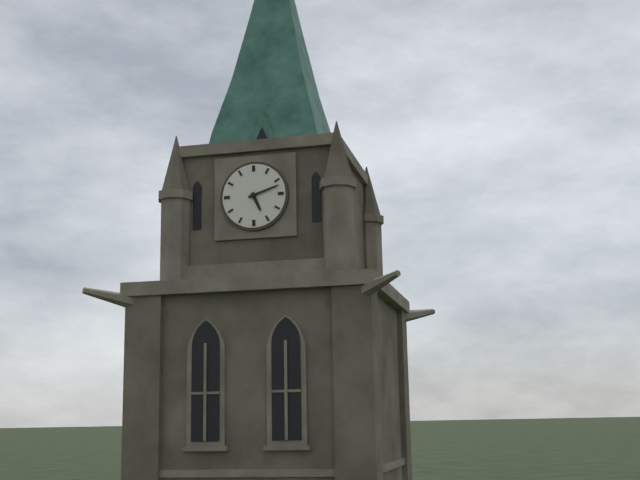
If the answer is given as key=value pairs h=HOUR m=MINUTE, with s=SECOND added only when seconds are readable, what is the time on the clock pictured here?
h=5 m=12
